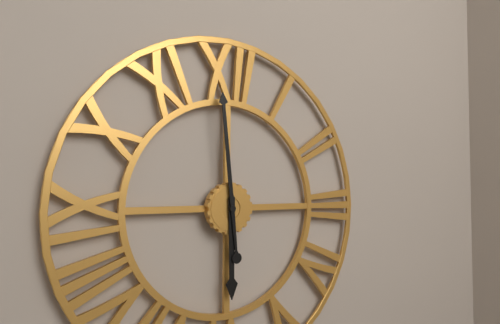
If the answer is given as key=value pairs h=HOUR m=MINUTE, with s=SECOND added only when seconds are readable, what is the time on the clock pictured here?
h=5 m=59
